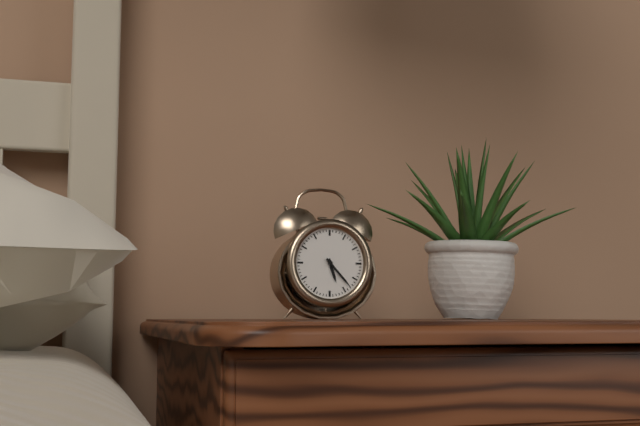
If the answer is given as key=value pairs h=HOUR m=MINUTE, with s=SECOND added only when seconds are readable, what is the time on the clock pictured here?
h=5 m=23
